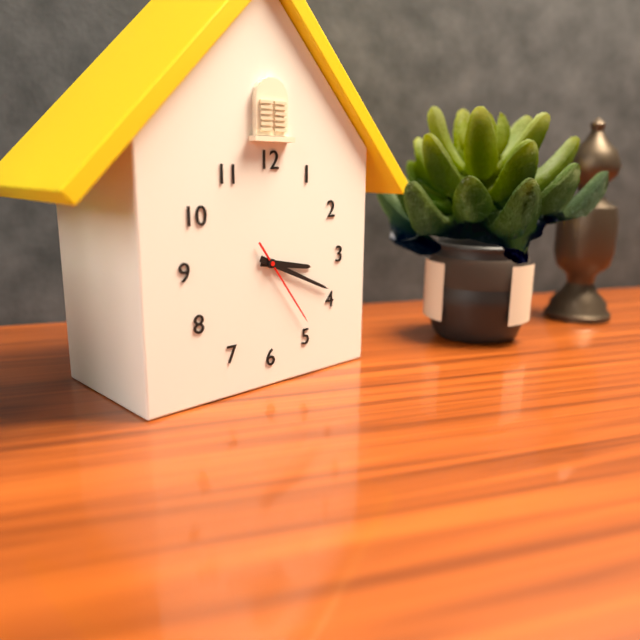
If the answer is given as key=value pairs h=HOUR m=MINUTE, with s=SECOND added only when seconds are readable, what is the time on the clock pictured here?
h=3 m=19 s=24
